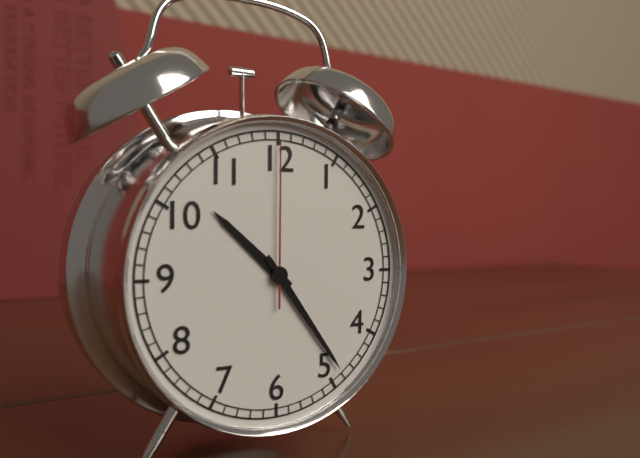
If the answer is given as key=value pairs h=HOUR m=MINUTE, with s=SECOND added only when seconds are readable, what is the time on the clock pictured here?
h=10 m=24 s=0
